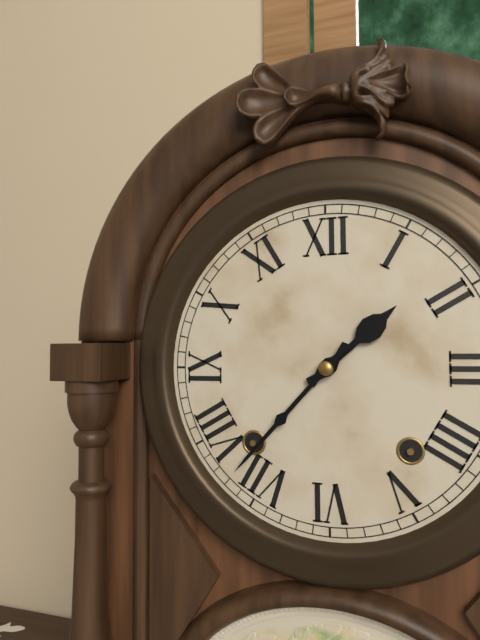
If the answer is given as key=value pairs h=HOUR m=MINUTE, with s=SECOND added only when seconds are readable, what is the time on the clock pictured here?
h=1 m=37
